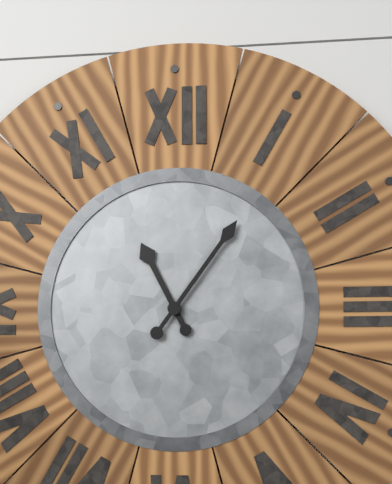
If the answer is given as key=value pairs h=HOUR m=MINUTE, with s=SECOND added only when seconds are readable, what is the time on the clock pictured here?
h=11 m=6
